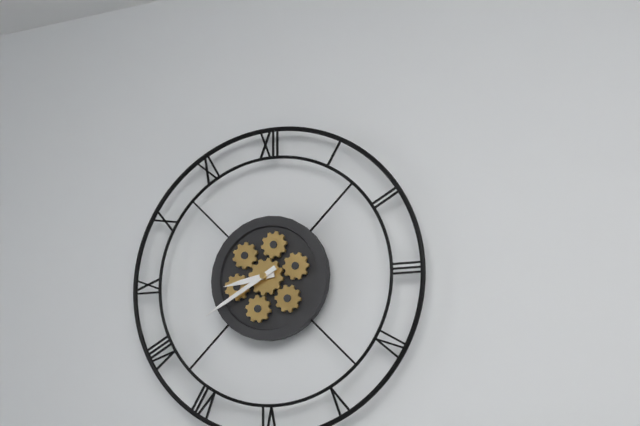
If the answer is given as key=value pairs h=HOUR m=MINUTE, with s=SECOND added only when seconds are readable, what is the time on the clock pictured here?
h=8 m=40
